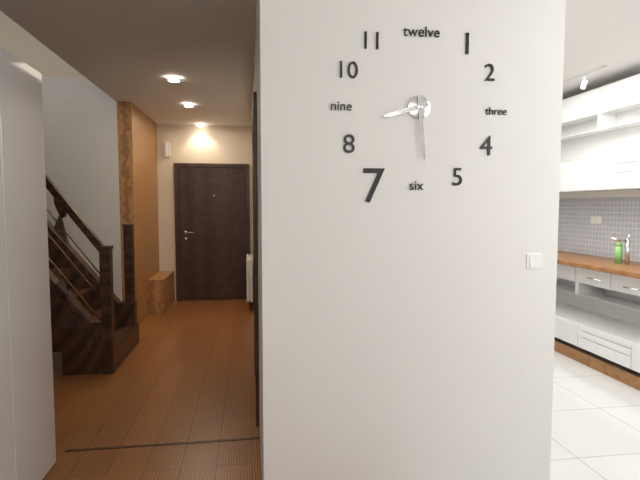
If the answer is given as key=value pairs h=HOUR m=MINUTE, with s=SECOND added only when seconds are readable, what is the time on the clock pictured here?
h=8 m=29
